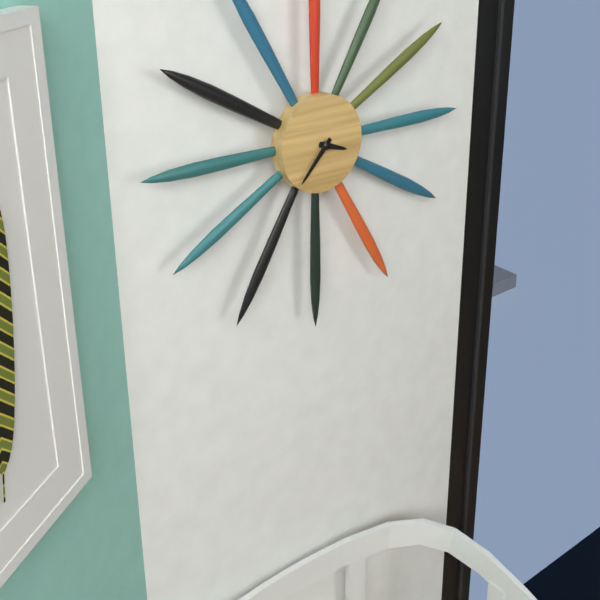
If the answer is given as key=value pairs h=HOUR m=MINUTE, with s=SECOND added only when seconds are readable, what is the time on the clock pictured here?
h=3 m=37
